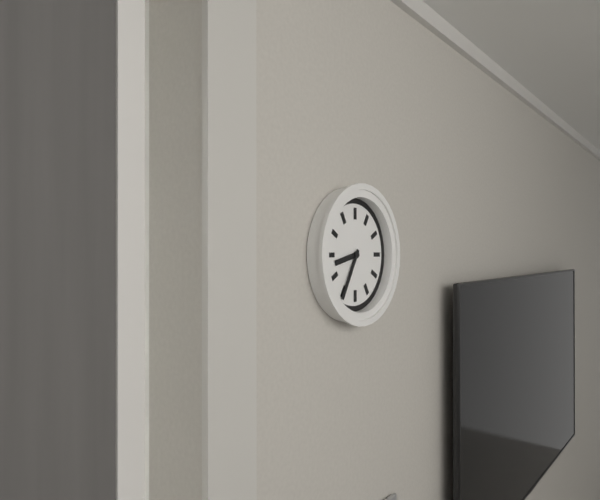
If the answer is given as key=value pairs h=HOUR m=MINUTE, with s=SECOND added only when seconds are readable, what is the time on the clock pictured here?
h=8 m=35
